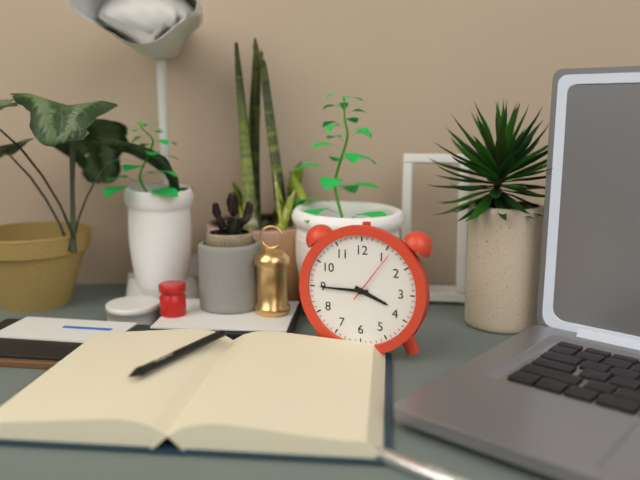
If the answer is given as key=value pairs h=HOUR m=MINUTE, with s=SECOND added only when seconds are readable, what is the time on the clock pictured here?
h=3 m=45 s=6
